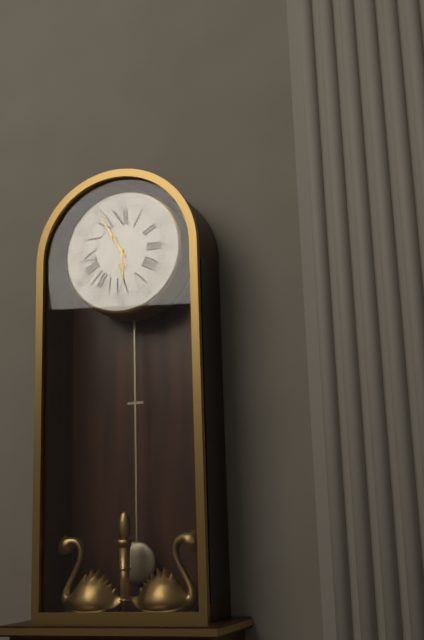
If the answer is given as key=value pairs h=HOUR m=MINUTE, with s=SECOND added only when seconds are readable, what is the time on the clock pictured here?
h=5 m=55
